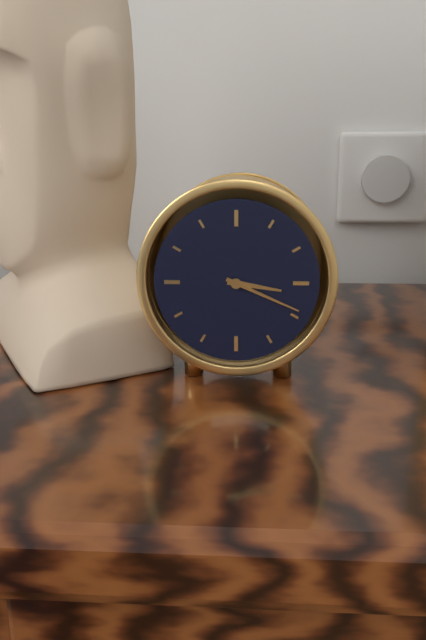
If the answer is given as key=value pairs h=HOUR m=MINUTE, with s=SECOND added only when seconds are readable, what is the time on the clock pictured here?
h=3 m=19
